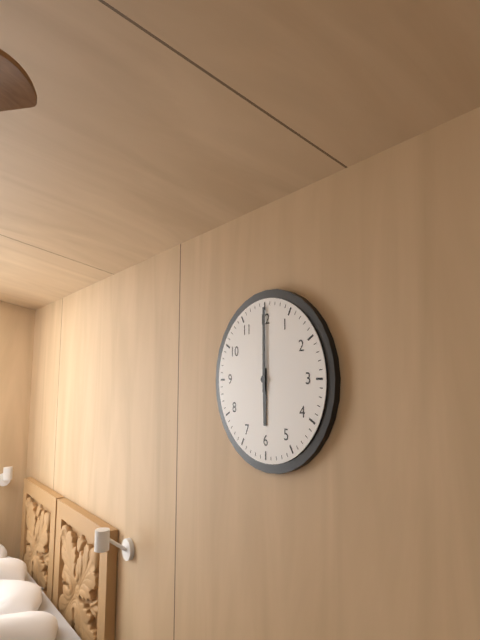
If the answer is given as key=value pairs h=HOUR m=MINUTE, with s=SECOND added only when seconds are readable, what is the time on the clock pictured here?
h=6 m=0
